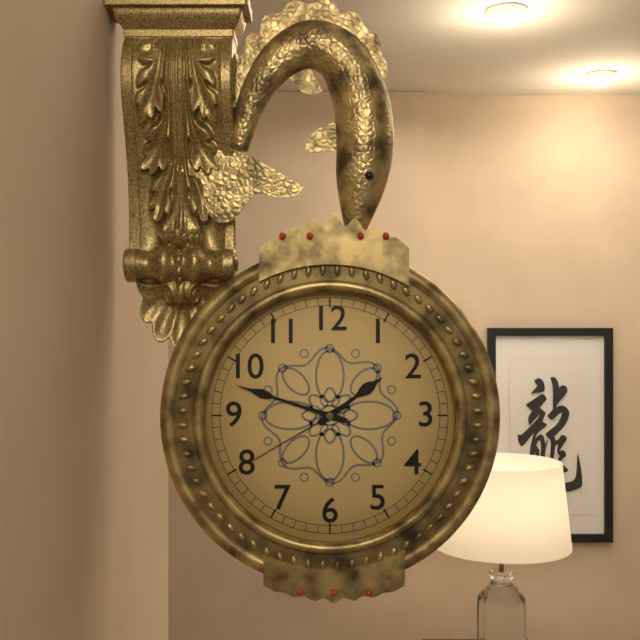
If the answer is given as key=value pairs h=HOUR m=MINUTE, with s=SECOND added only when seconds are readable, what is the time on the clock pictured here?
h=1 m=48 s=40
